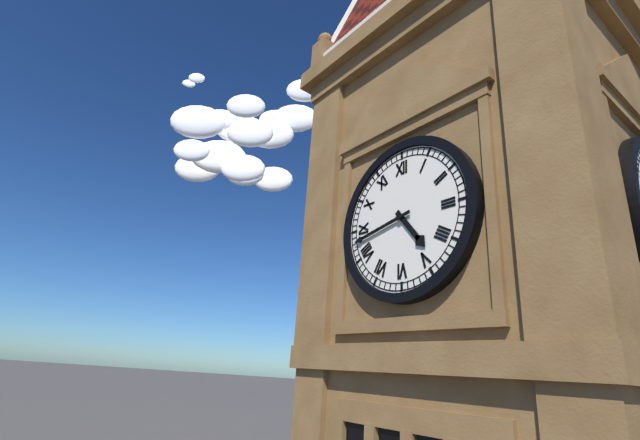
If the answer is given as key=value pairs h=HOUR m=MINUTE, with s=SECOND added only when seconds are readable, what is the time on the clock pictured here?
h=4 m=43
